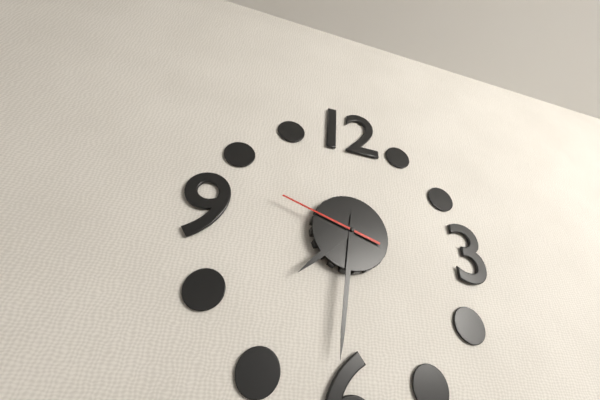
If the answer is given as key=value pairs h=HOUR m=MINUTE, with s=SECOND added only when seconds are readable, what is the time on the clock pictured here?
h=7 m=31 s=48
